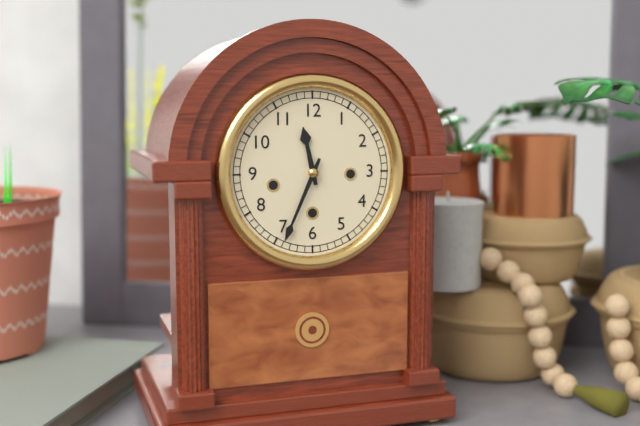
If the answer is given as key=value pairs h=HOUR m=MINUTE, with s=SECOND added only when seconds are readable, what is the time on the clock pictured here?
h=11 m=34
